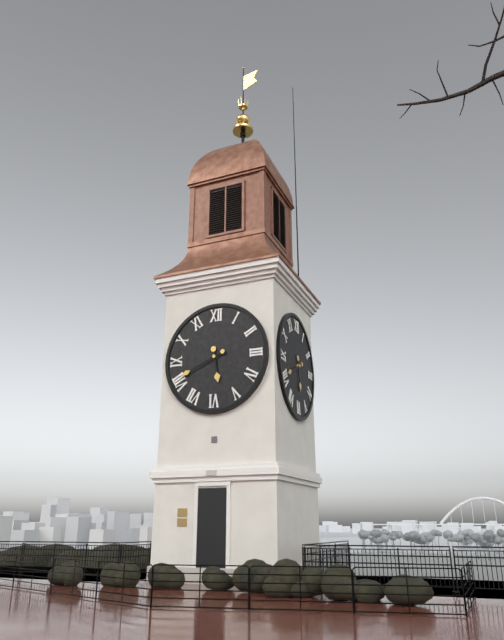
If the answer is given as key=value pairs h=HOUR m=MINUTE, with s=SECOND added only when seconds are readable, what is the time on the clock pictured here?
h=5 m=41
